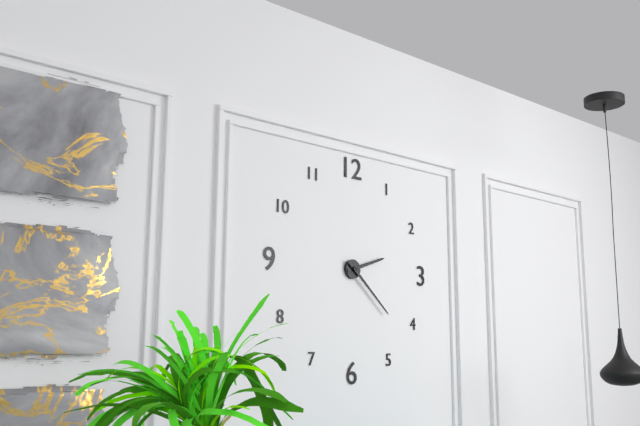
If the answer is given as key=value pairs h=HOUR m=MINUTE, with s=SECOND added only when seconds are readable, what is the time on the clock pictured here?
h=2 m=22
